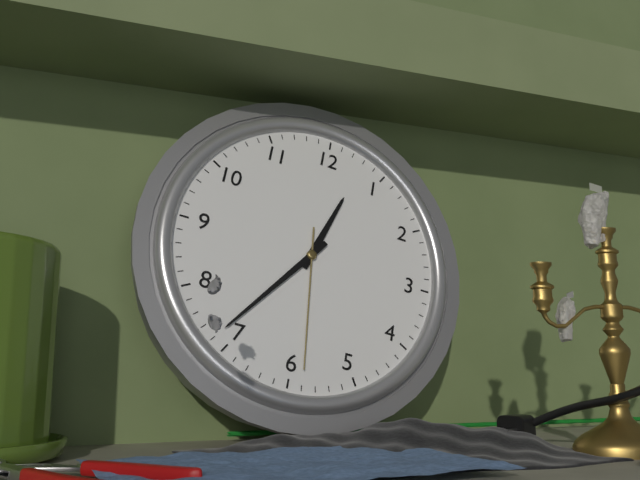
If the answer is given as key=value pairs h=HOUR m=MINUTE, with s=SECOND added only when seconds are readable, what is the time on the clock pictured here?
h=12 m=36 s=29
